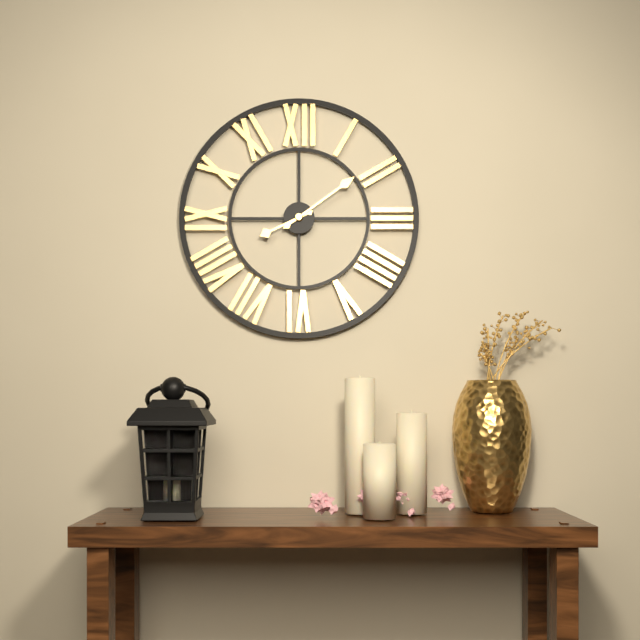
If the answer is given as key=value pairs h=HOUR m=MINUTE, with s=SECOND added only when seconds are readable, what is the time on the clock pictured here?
h=8 m=9
